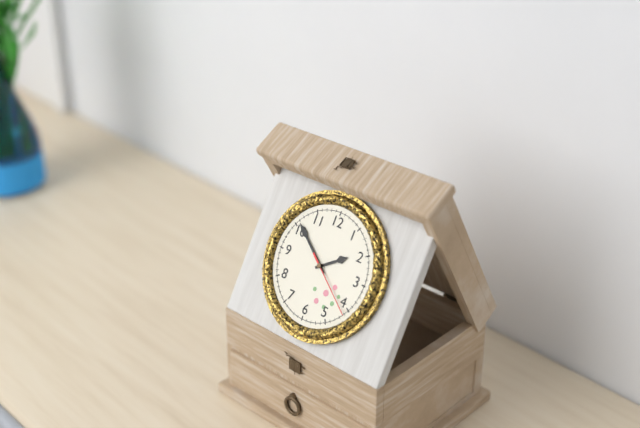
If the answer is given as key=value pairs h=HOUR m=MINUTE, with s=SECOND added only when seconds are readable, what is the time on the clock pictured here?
h=1 m=51 s=21
